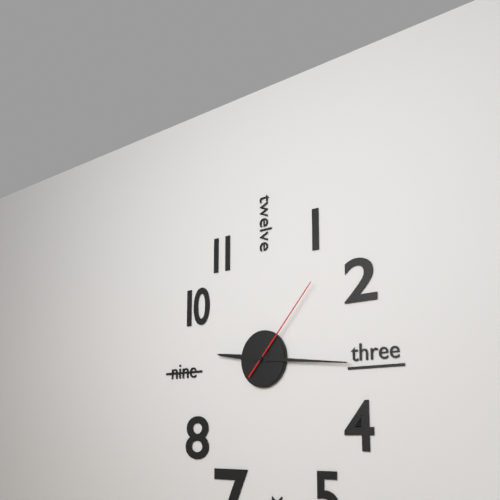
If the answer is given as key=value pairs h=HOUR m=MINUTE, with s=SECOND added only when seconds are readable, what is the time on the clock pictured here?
h=9 m=16 s=7
